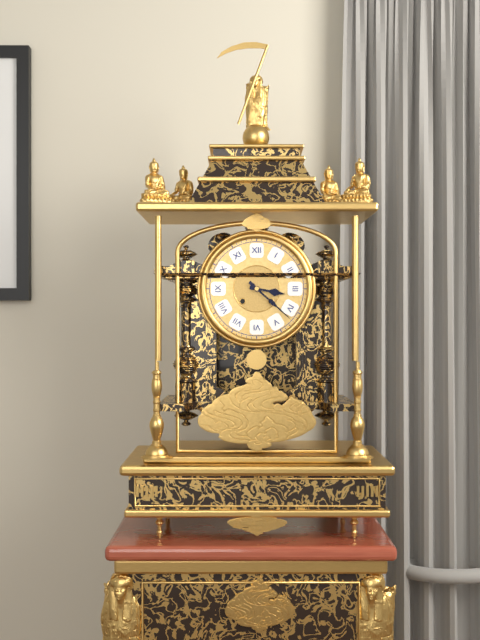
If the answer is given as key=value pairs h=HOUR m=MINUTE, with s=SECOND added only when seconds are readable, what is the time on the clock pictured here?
h=3 m=22
